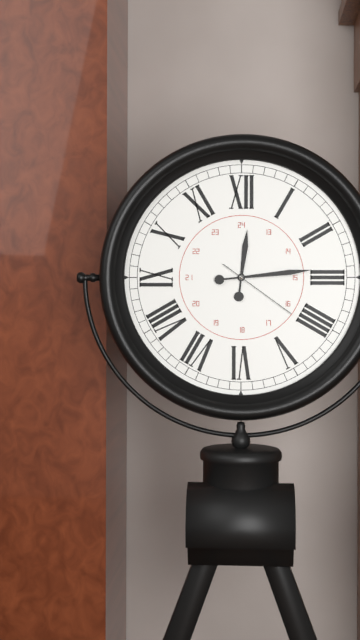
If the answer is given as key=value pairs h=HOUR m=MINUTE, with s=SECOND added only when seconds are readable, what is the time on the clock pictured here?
h=12 m=14 s=21
